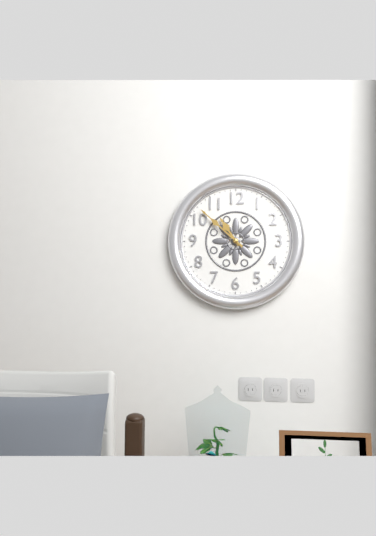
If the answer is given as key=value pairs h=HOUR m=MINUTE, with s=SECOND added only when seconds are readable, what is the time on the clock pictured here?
h=10 m=52
